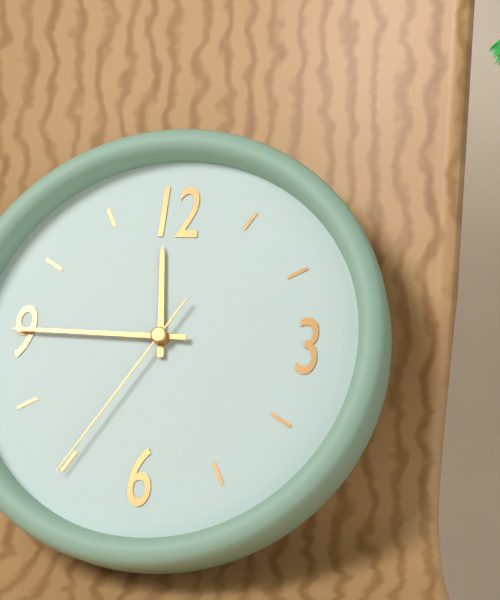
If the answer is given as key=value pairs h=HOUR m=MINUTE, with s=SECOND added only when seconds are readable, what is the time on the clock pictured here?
h=11 m=45 s=35
